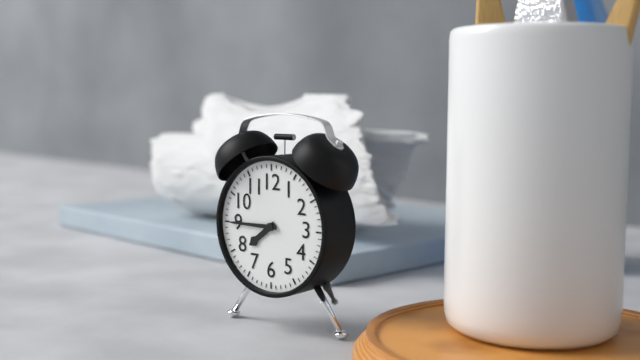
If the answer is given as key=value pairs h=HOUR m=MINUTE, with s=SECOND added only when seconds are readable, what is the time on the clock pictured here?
h=7 m=45
